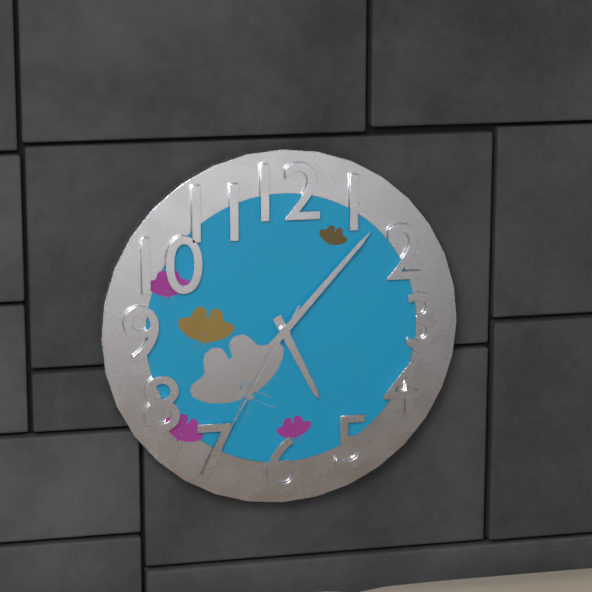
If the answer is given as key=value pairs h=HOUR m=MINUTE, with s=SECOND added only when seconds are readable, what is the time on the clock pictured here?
h=5 m=7 s=35
